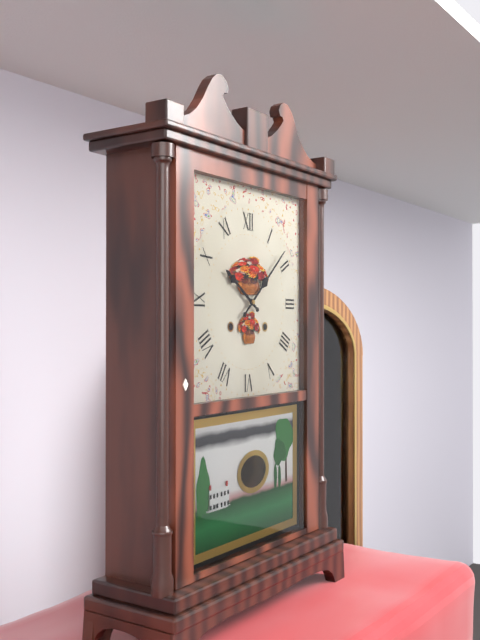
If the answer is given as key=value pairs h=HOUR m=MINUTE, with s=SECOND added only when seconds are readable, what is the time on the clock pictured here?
h=10 m=8
